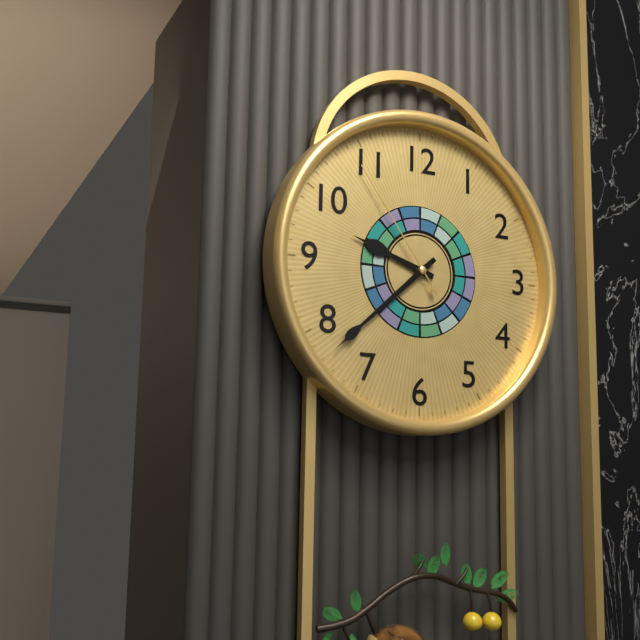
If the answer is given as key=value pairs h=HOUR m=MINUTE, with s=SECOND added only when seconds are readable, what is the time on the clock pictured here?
h=9 m=38 s=54
